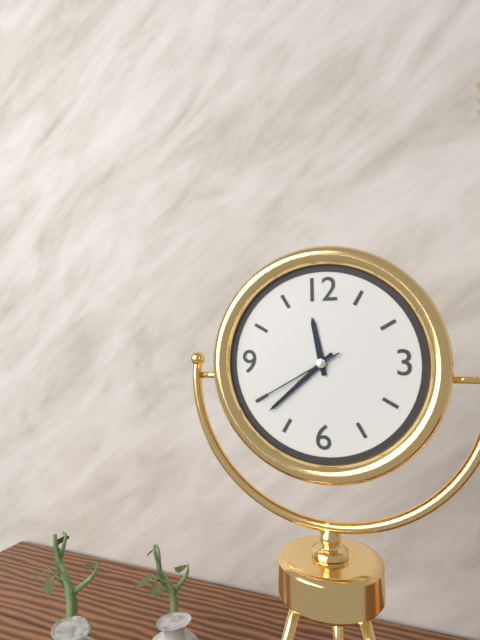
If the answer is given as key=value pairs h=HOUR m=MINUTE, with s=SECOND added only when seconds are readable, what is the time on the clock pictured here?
h=11 m=38 s=40
